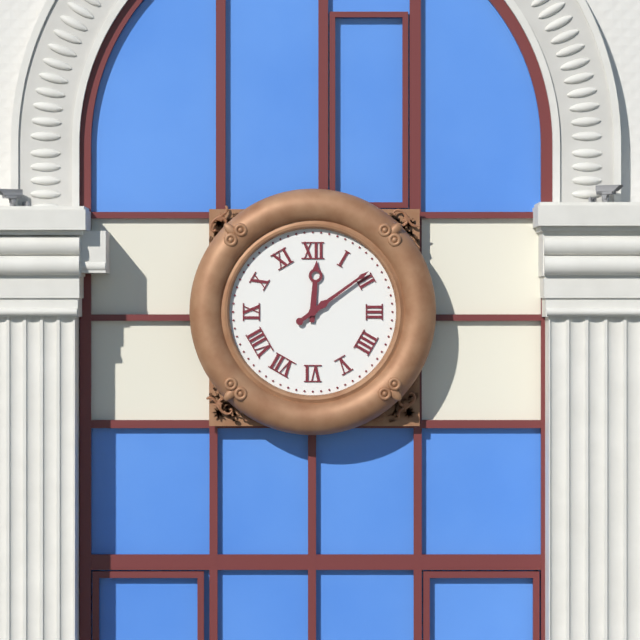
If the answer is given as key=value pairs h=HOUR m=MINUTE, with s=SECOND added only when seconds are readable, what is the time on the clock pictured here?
h=12 m=9
